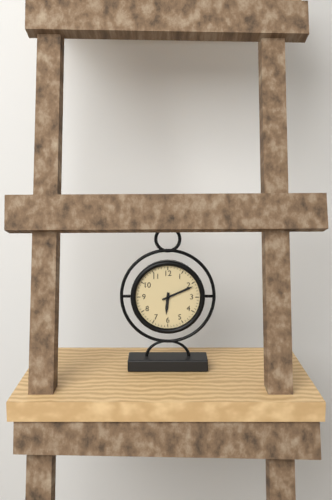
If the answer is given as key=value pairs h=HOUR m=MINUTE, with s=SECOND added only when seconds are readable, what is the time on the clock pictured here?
h=6 m=11
